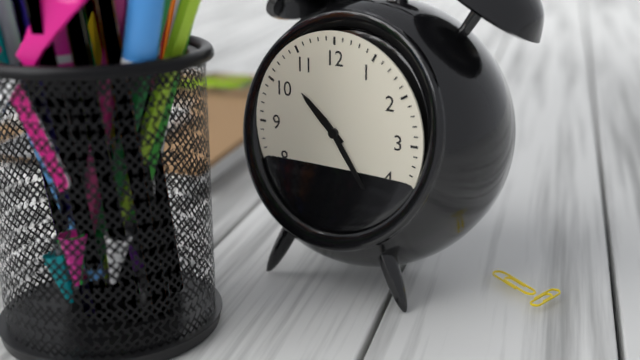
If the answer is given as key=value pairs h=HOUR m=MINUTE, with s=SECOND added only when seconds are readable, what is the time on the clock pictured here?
h=10 m=24
